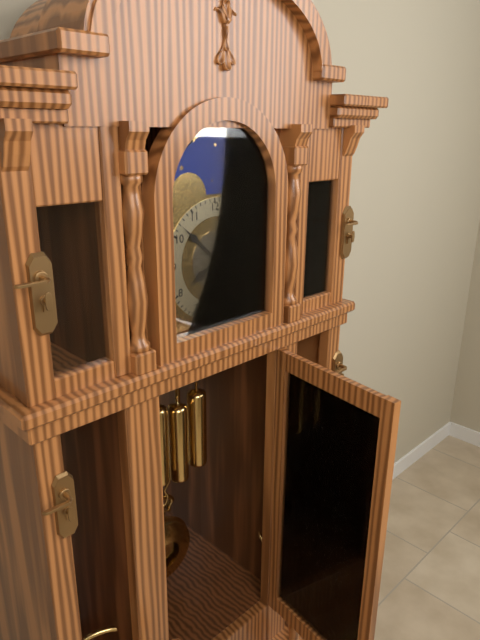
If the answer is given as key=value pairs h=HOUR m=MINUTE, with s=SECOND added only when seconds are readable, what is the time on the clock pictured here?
h=7 m=52
